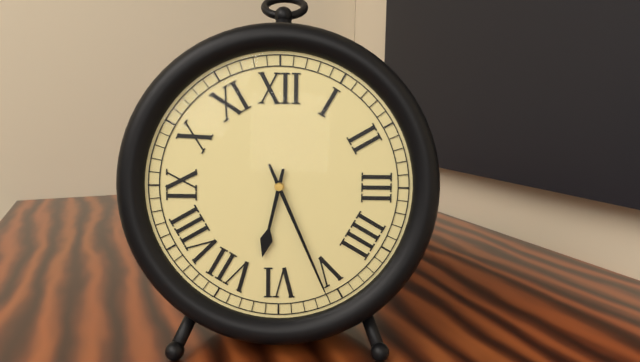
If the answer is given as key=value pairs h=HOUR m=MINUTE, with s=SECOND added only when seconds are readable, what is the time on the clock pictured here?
h=6 m=26
